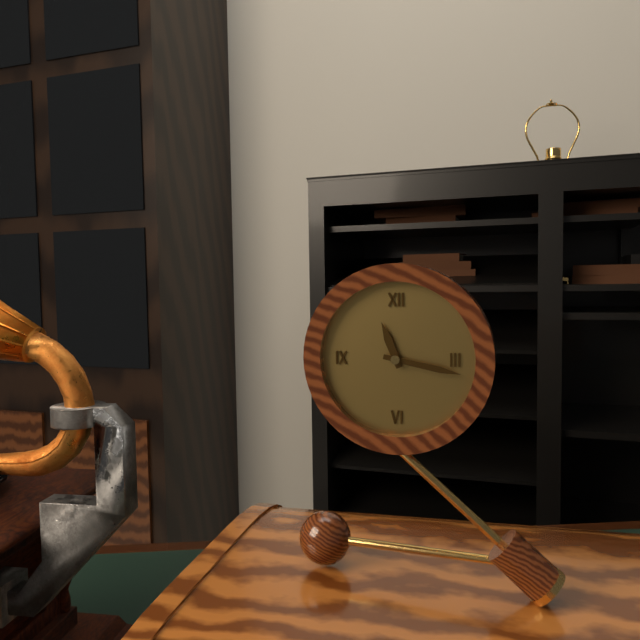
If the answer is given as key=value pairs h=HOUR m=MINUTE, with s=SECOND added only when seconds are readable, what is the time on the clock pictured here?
h=11 m=17
